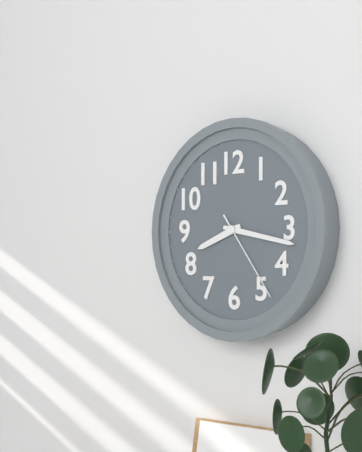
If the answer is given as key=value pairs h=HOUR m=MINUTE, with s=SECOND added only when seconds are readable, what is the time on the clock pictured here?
h=8 m=17 s=24
